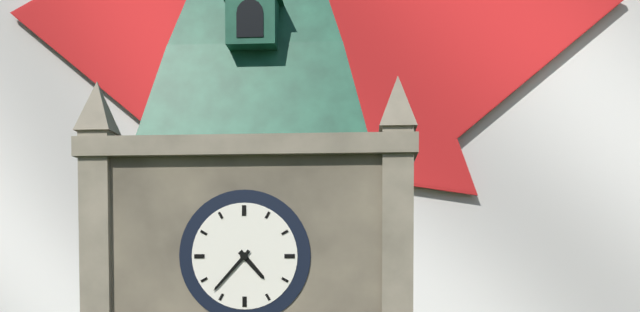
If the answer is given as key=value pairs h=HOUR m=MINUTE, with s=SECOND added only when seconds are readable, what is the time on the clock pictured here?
h=4 m=37
